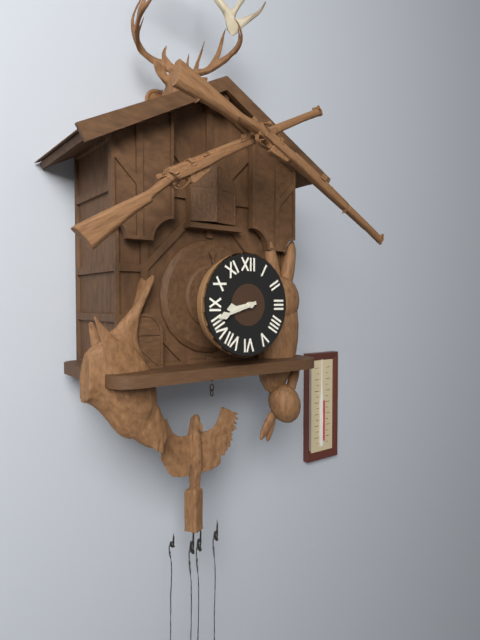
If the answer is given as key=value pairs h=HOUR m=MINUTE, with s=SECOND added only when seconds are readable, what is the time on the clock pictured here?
h=8 m=42
